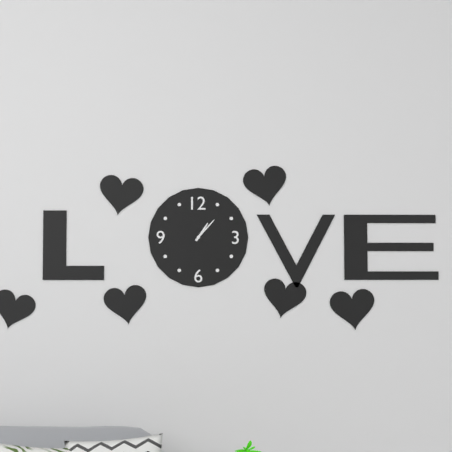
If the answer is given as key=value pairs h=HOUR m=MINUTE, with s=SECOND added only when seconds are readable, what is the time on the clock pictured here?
h=1 m=7
